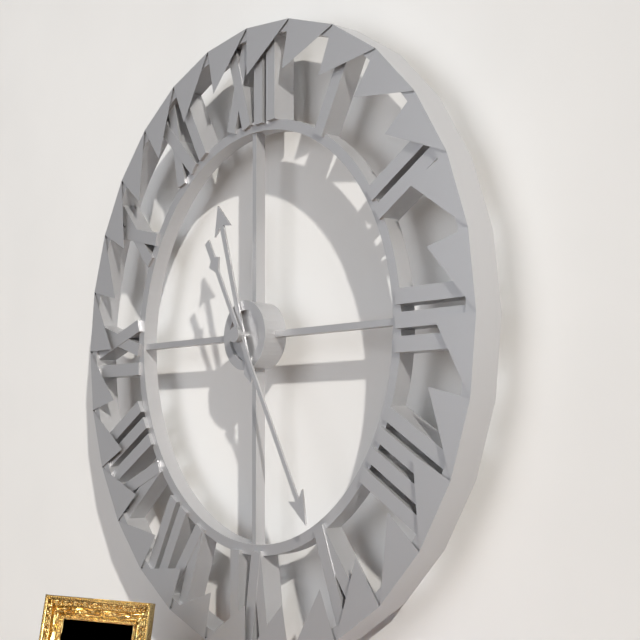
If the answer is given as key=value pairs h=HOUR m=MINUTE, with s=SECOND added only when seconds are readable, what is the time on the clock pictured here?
h=11 m=25
